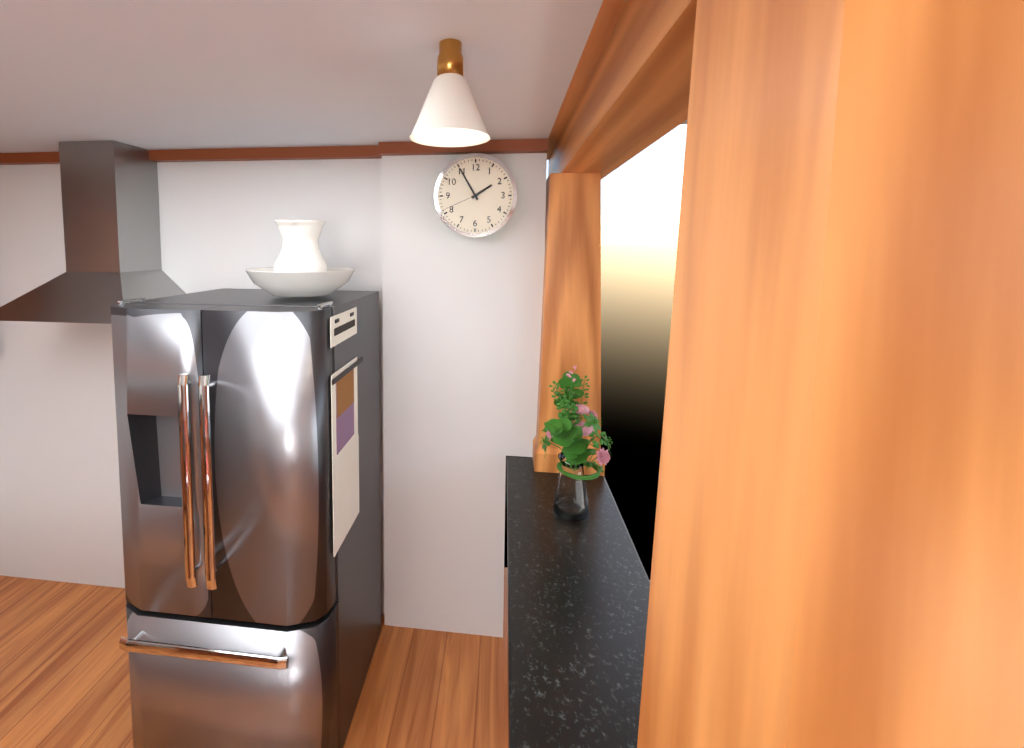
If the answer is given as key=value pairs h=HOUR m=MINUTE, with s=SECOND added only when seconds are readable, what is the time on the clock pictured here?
h=1 m=55
